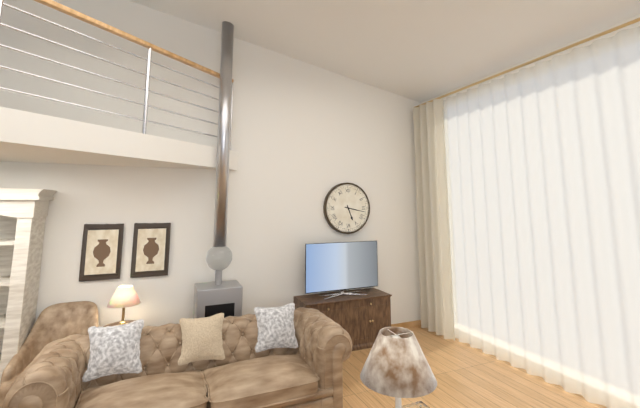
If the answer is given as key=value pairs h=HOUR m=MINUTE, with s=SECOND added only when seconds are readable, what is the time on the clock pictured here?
h=5 m=17
